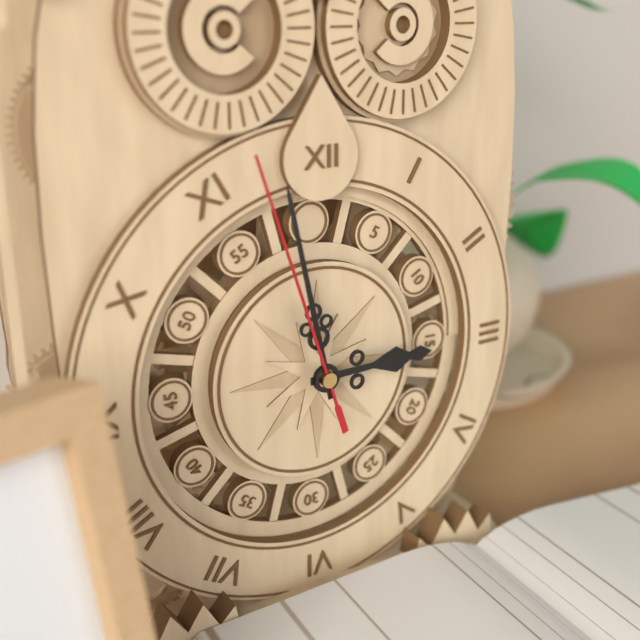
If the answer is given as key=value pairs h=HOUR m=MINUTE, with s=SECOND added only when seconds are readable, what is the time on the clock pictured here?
h=2 m=58 s=57
